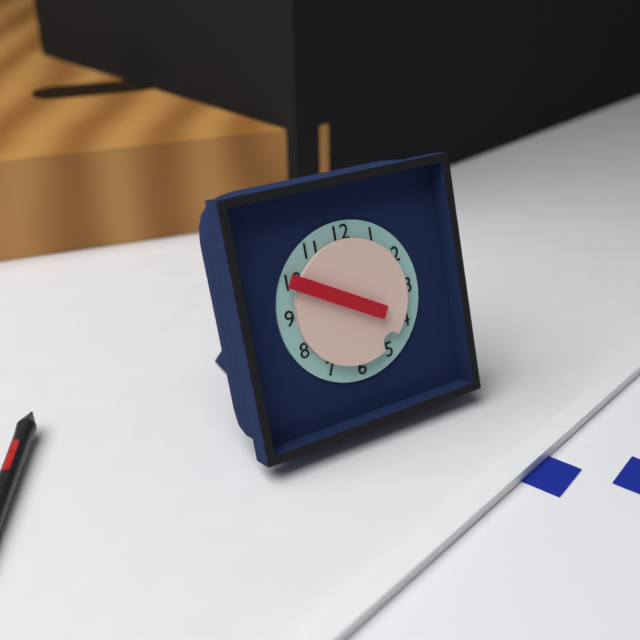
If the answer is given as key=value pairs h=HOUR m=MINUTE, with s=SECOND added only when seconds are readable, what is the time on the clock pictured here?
h=4 m=50
